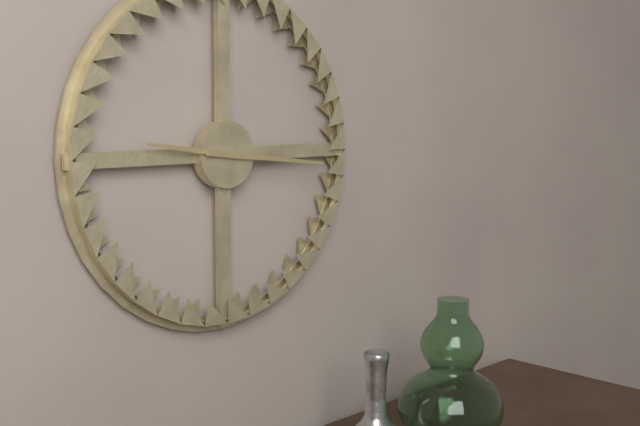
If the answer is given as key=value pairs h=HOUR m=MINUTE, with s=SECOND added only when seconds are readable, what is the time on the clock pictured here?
h=9 m=16
